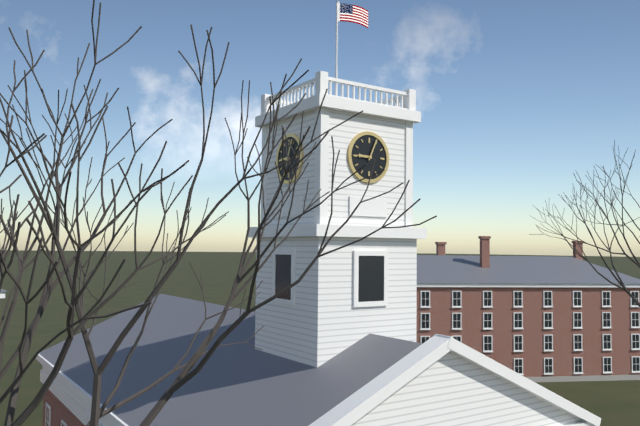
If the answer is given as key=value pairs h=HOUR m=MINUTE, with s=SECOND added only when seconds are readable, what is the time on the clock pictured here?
h=9 m=4
